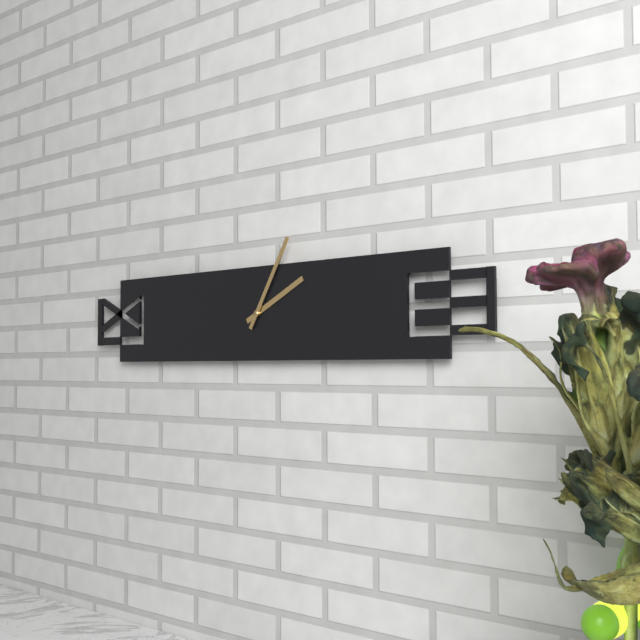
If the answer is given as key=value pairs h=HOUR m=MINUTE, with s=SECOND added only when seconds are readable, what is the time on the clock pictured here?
h=2 m=5
